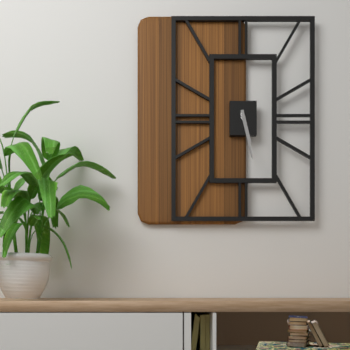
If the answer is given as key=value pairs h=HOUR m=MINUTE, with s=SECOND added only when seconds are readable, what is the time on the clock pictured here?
h=5 m=28
